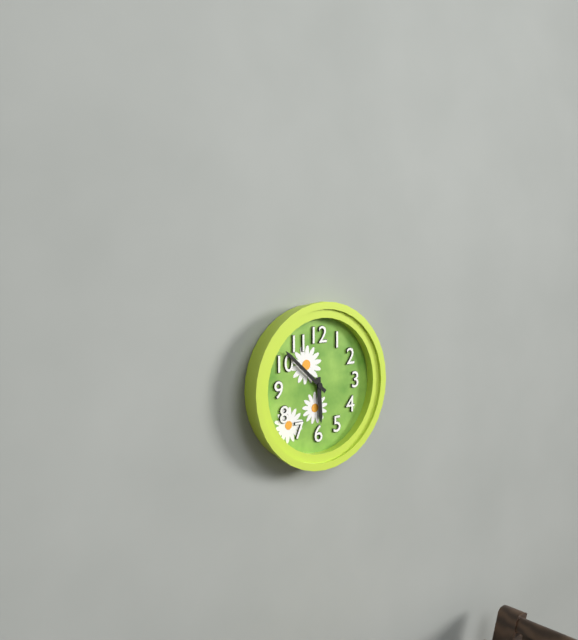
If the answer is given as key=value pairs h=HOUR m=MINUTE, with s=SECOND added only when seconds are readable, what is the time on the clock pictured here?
h=5 m=52
